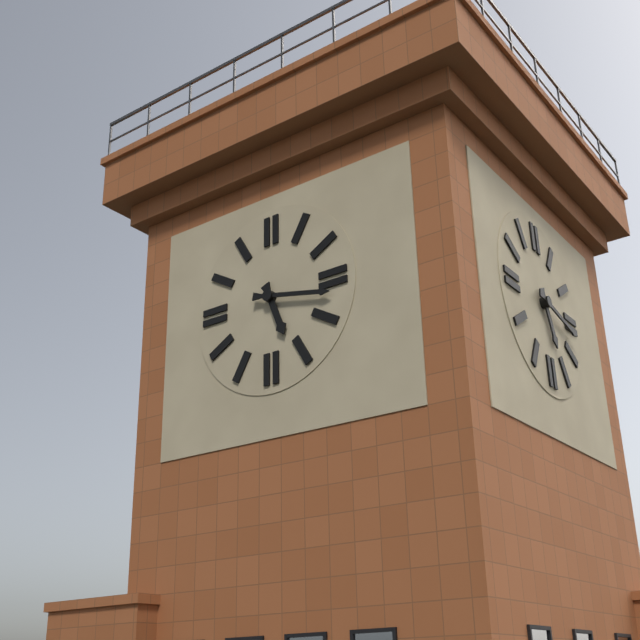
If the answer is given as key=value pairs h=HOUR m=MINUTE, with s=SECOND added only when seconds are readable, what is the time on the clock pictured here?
h=5 m=17
